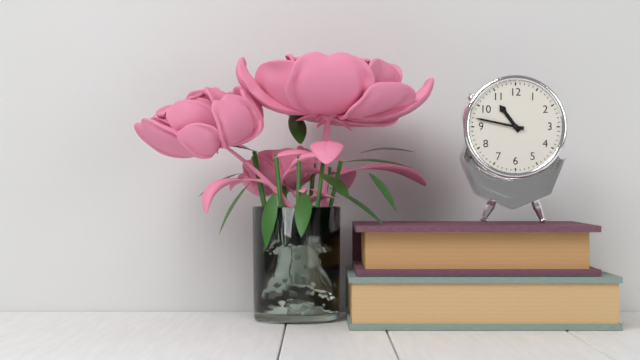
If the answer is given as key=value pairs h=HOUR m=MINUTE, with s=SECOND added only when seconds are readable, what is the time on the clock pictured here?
h=10 m=47
